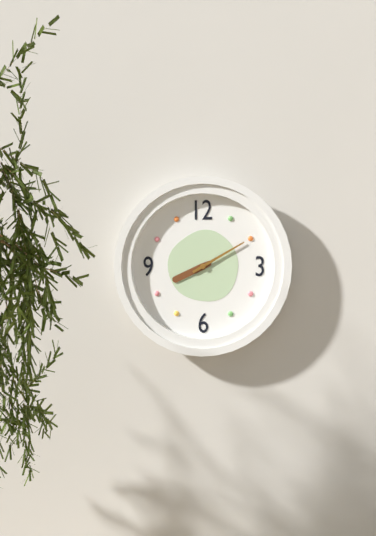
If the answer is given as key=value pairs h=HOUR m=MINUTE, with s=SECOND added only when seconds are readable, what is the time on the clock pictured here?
h=8 m=10
